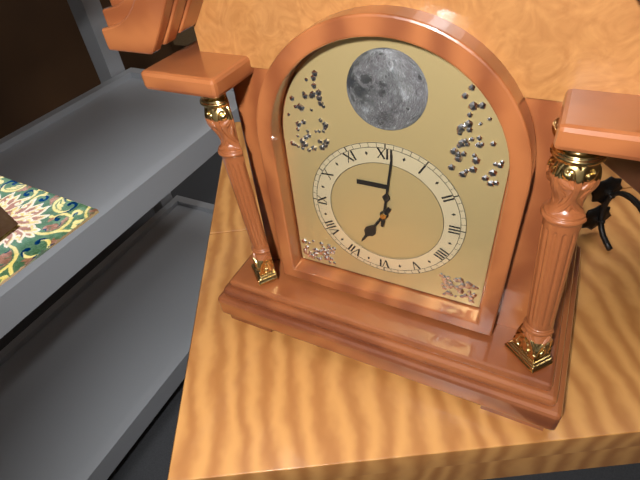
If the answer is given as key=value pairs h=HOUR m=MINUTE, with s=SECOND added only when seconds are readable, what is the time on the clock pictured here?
h=7 m=1
